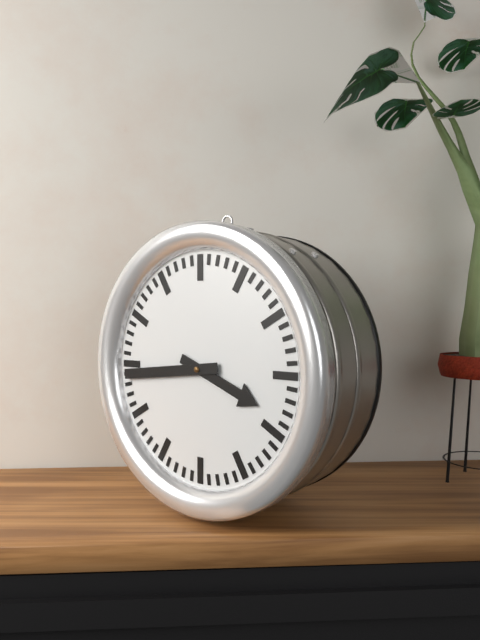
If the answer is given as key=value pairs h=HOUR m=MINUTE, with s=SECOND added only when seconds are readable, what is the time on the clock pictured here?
h=3 m=44
